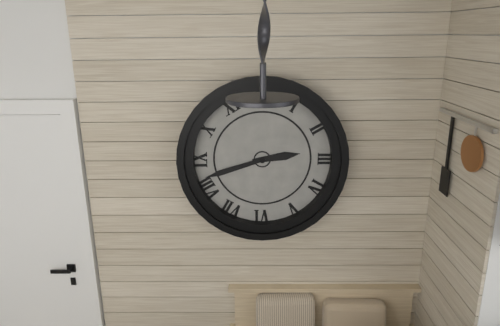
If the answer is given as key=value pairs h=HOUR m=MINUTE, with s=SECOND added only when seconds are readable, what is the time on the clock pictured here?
h=2 m=42
